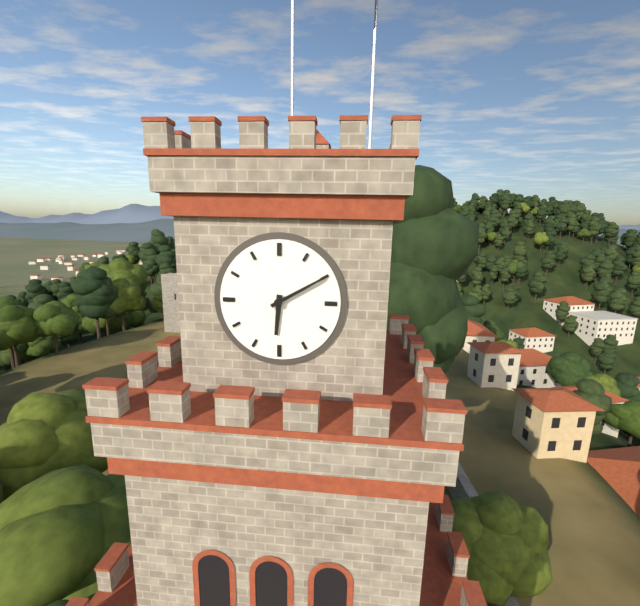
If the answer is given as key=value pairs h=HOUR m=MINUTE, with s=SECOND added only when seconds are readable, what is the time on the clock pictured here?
h=6 m=10
